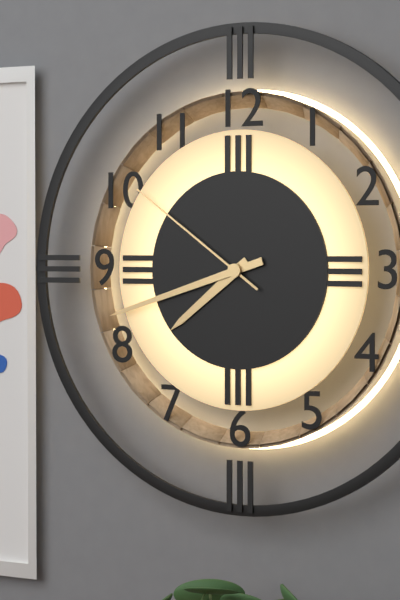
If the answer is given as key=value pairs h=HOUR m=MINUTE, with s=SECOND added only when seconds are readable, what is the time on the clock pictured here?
h=7 m=42 s=51
